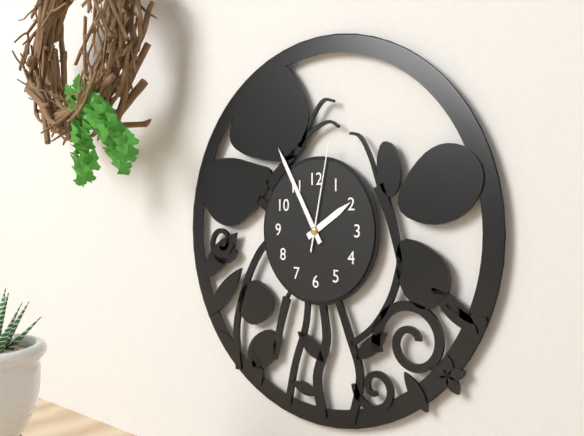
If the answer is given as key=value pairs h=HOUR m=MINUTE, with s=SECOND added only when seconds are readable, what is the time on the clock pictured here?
h=1 m=55 s=2
